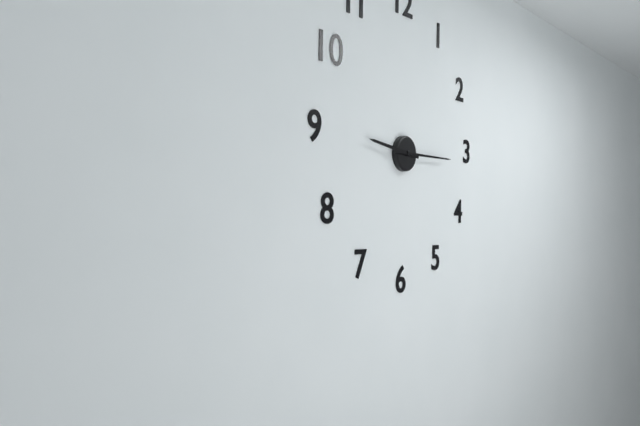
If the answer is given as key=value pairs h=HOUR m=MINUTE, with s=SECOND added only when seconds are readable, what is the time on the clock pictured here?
h=9 m=15
